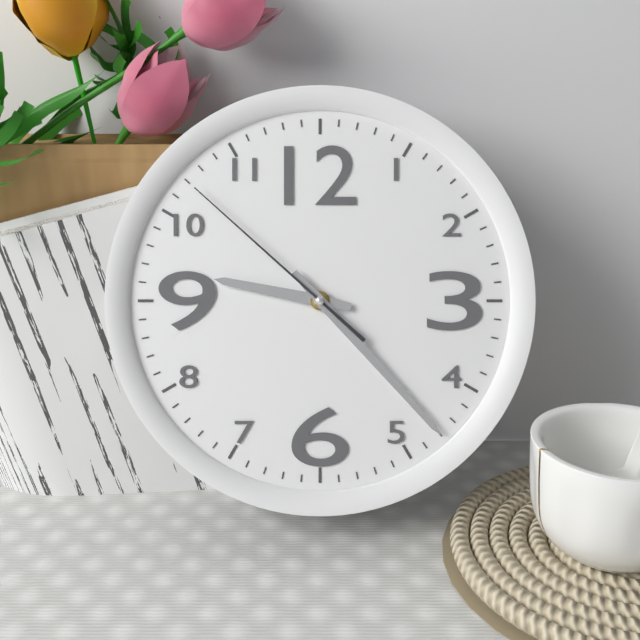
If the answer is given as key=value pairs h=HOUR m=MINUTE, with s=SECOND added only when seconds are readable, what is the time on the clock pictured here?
h=9 m=23 s=52
